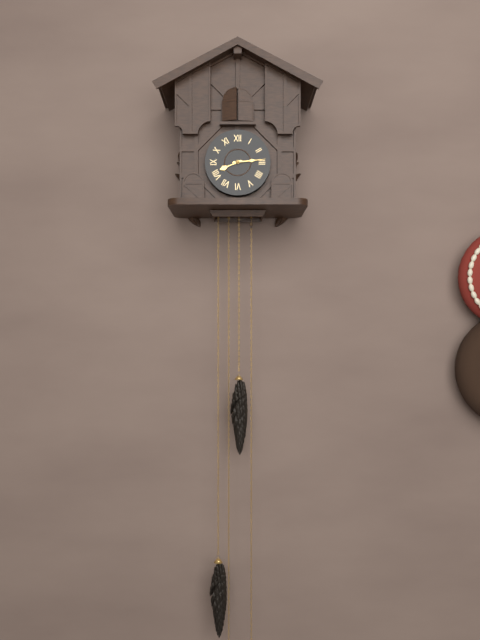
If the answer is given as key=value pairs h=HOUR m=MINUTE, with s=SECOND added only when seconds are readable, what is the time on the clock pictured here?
h=8 m=14
